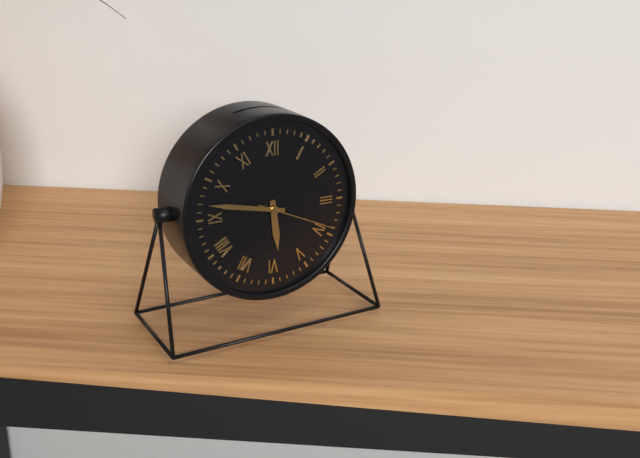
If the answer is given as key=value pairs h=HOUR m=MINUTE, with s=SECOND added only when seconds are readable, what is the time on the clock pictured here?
h=5 m=47 s=19
